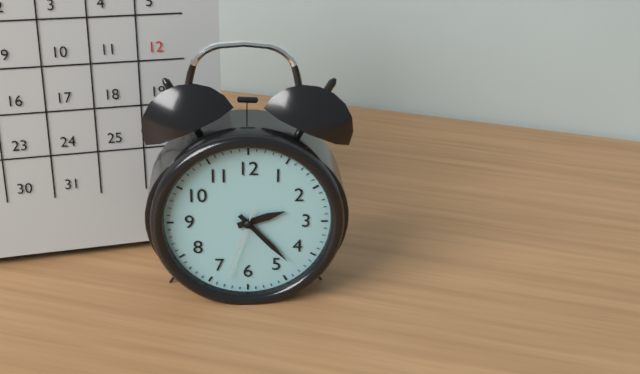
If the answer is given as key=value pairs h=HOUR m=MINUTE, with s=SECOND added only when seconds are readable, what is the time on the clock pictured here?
h=2 m=23 s=33
